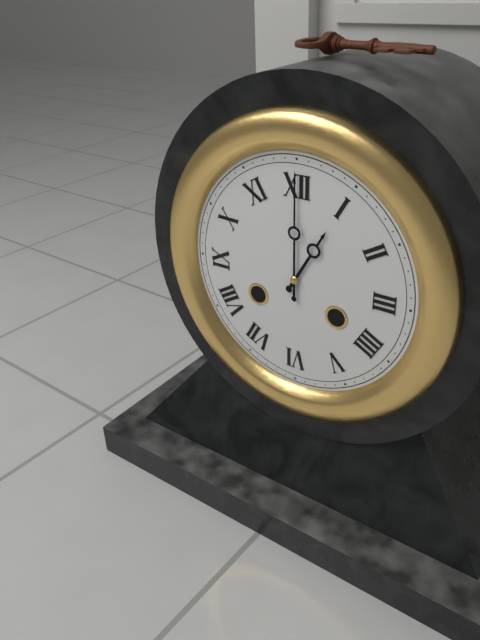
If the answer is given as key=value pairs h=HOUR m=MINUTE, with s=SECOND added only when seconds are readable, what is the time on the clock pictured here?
h=1 m=0
